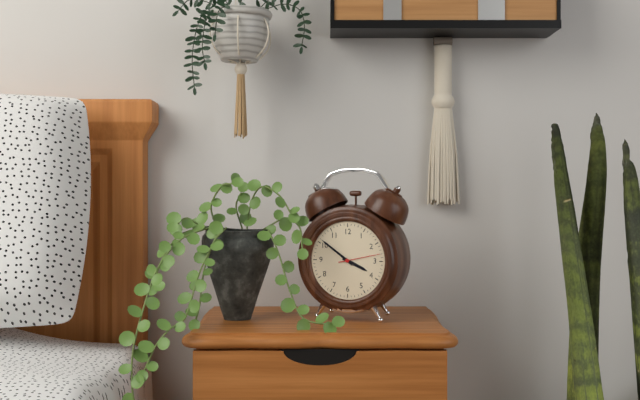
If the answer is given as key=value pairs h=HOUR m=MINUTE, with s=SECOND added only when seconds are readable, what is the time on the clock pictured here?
h=3 m=51
